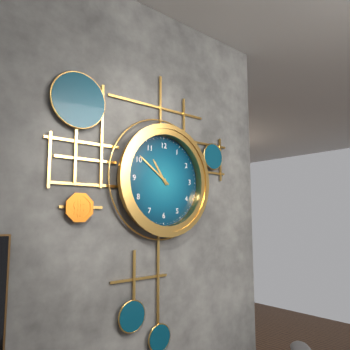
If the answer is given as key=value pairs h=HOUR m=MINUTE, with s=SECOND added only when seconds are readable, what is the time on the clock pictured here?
h=10 m=51
